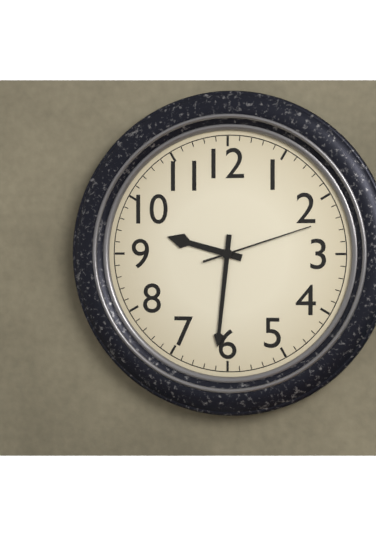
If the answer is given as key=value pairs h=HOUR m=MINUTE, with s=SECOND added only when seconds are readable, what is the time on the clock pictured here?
h=9 m=31 s=12
